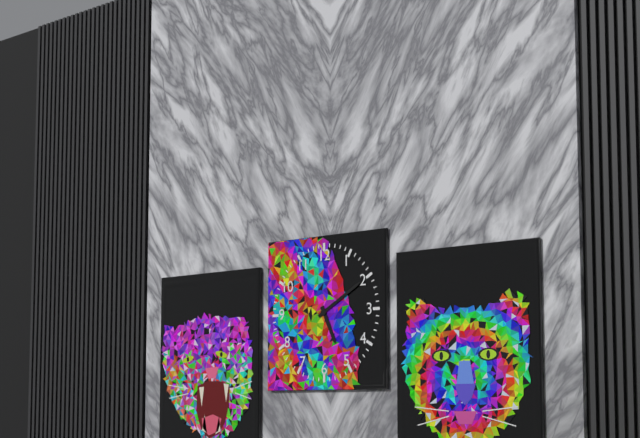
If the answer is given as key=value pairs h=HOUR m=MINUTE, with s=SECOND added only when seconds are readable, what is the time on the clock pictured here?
h=5 m=10
